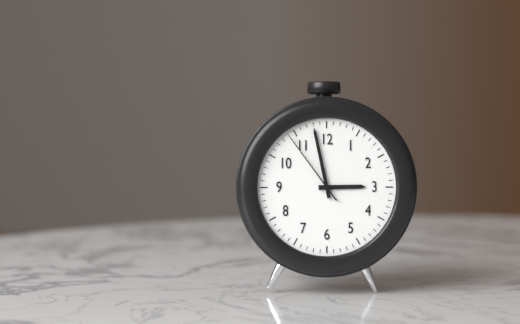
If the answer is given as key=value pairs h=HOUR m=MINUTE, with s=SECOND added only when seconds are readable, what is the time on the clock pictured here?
h=2 m=58 s=54
